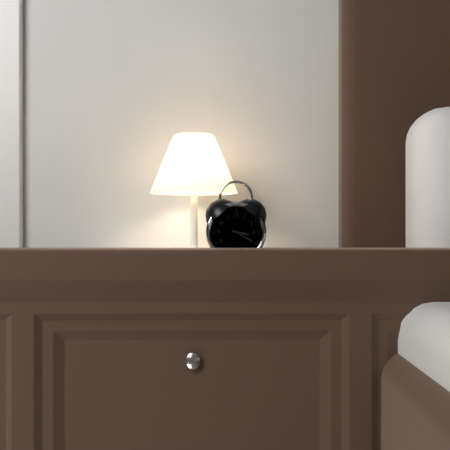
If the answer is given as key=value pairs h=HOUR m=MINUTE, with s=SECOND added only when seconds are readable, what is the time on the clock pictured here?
h=3 m=20
